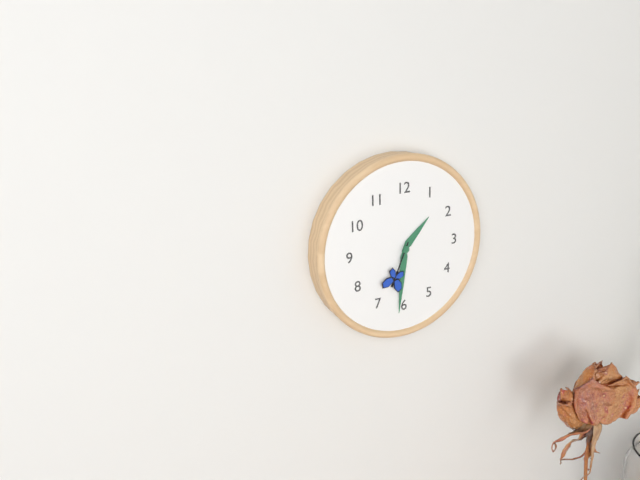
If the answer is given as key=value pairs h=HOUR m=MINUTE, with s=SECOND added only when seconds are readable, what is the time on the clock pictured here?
h=1 m=31 s=34
